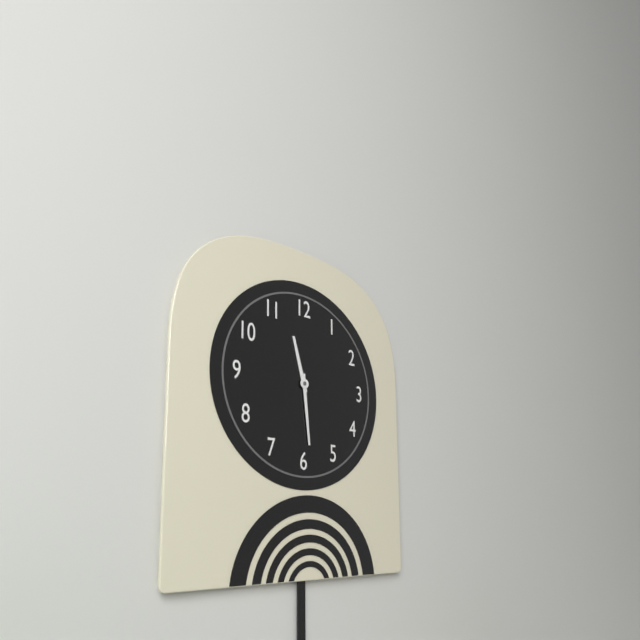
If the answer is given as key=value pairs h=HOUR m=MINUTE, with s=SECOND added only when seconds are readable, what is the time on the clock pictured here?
h=11 m=29
